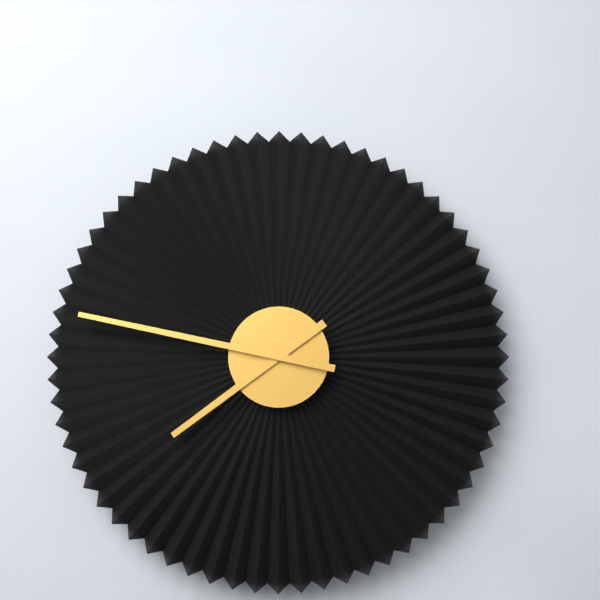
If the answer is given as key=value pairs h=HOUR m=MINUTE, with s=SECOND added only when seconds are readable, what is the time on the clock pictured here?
h=7 m=47
